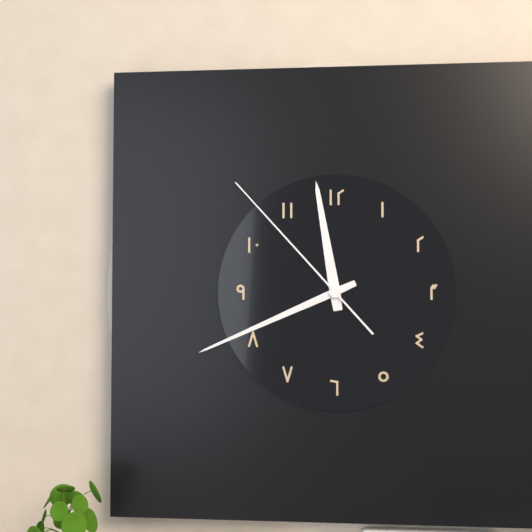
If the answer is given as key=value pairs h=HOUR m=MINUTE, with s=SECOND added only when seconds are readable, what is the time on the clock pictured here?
h=11 m=41 s=53
